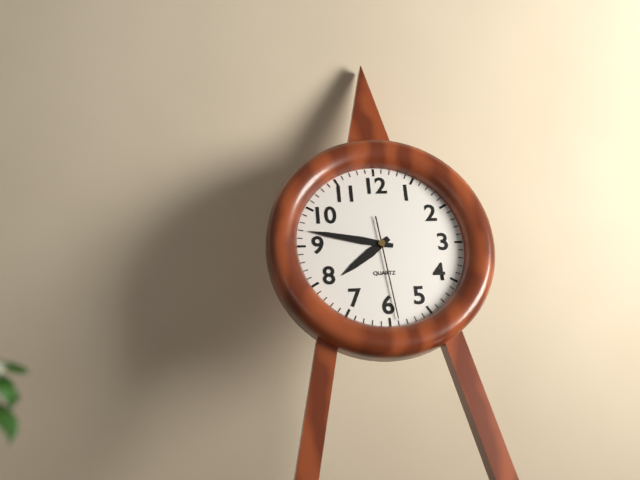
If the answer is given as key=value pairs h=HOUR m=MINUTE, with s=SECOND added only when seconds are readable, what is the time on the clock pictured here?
h=7 m=47 s=29
